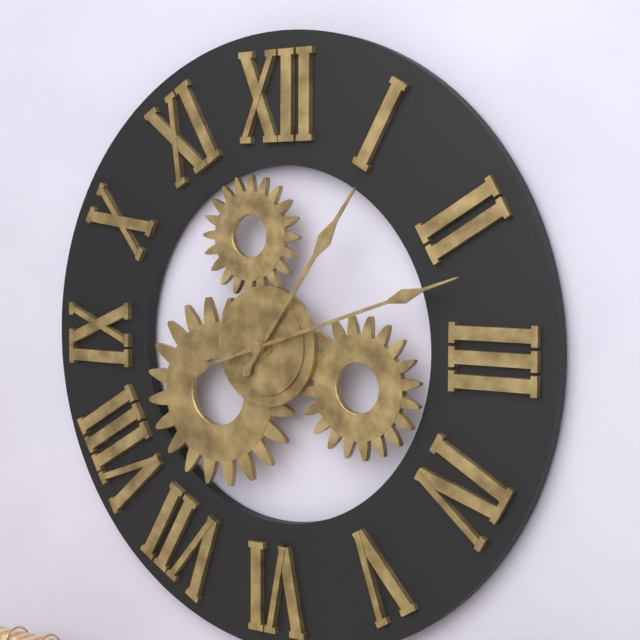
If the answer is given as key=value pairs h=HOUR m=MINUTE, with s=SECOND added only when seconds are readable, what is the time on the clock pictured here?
h=1 m=12
